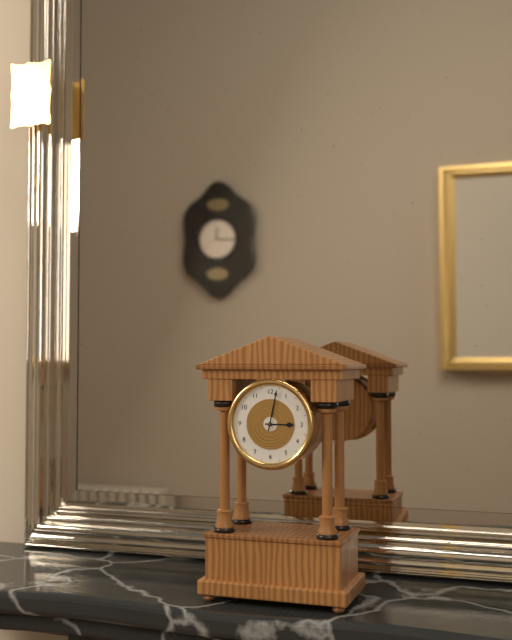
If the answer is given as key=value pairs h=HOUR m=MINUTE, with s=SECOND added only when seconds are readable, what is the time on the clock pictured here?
h=3 m=2
